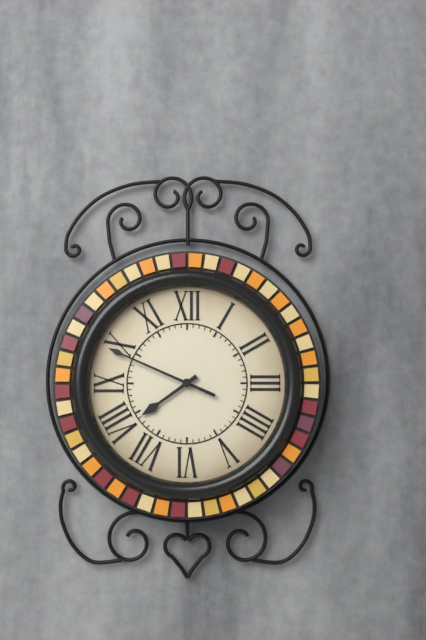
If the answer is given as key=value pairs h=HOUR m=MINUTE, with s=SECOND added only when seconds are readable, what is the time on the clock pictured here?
h=7 m=49
